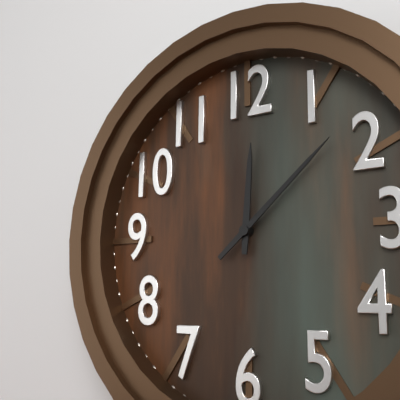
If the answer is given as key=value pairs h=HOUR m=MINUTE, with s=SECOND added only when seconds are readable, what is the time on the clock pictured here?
h=12 m=8
